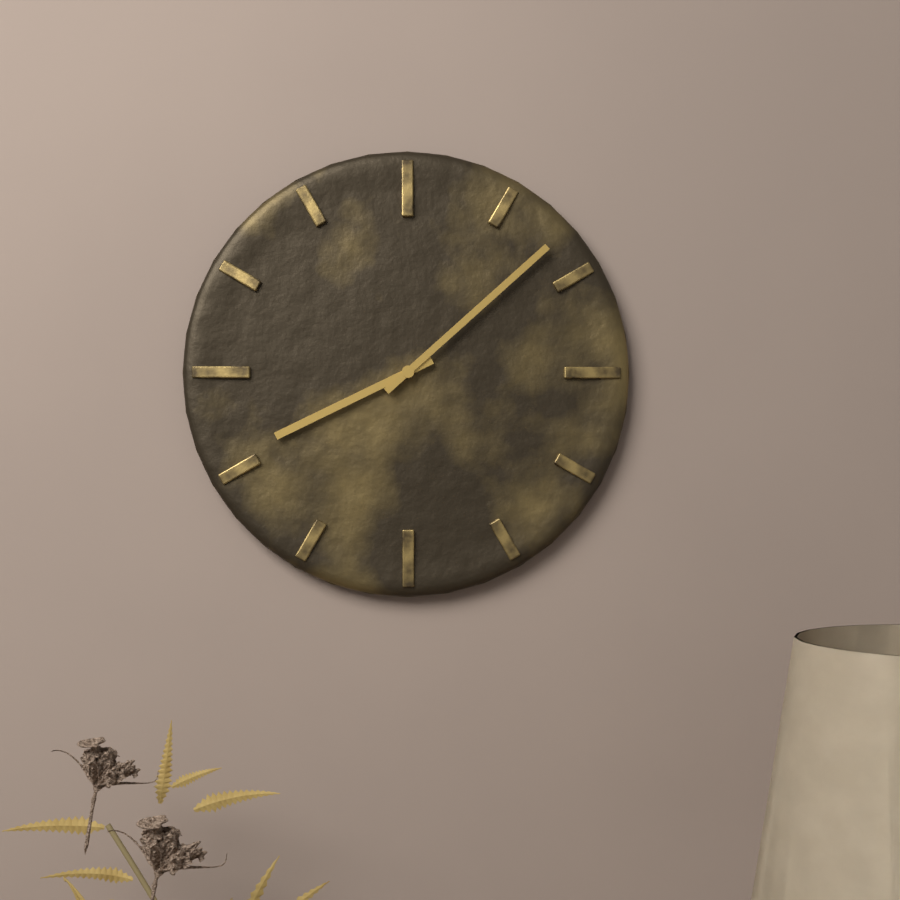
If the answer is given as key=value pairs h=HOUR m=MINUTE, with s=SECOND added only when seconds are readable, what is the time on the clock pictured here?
h=8 m=8
